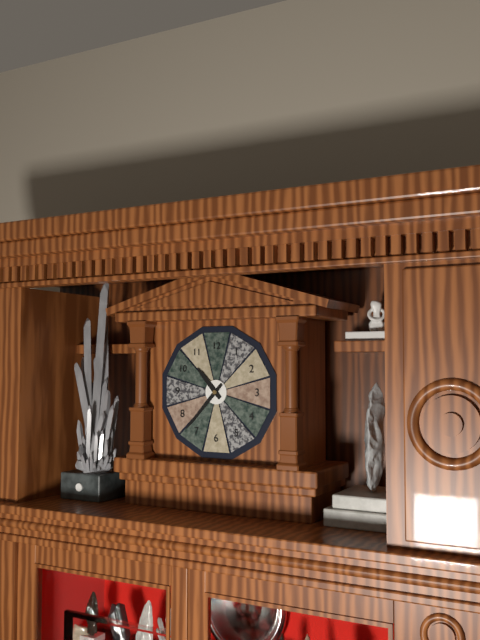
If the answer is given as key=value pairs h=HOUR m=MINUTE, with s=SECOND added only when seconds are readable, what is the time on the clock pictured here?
h=10 m=37
